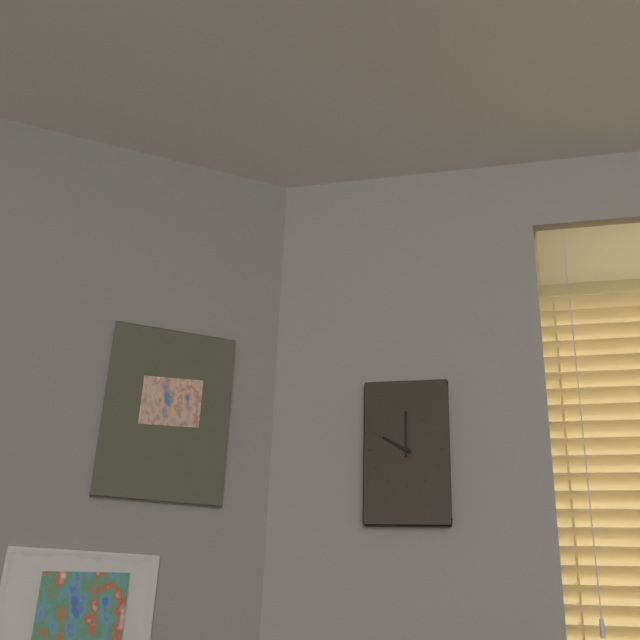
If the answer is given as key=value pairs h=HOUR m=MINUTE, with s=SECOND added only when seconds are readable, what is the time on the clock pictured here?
h=10 m=0
